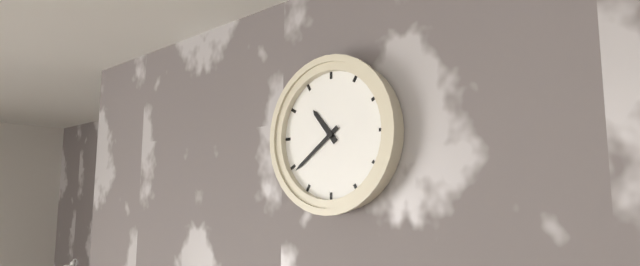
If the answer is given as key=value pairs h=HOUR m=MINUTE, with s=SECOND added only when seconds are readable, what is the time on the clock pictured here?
h=10 m=39
